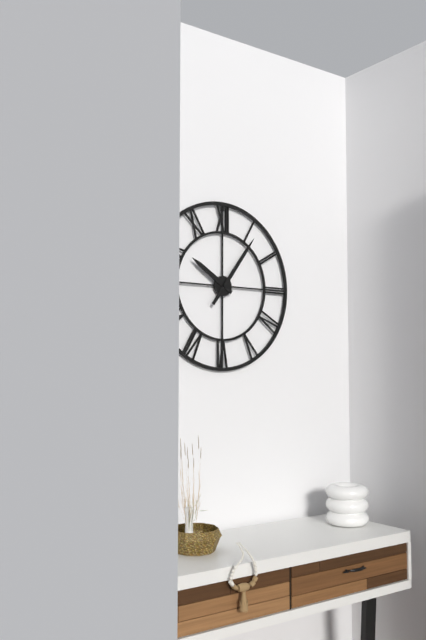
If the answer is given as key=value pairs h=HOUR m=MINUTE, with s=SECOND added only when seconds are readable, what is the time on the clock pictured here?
h=10 m=6
